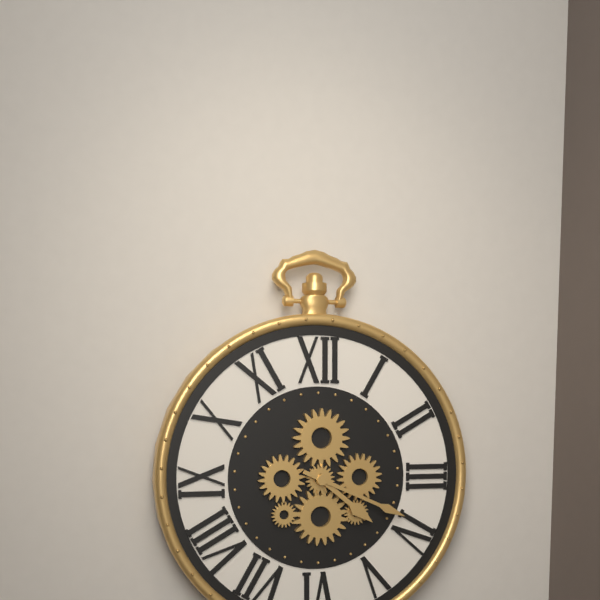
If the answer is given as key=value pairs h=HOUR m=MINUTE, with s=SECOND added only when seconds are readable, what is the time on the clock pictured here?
h=4 m=19
